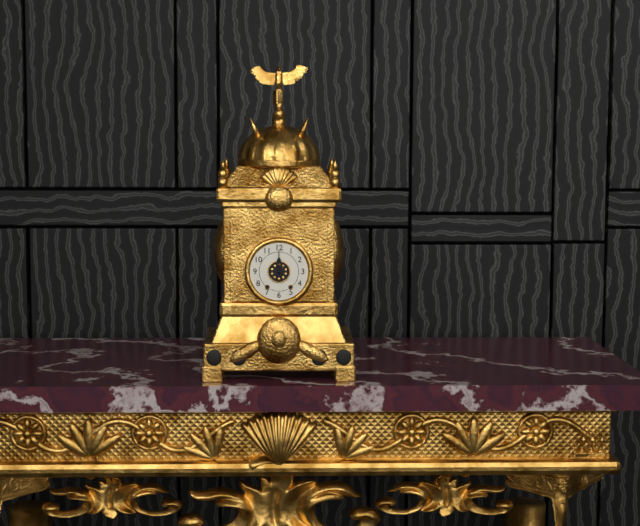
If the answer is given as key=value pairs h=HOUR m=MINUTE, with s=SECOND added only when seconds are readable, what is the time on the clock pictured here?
h=12 m=0
